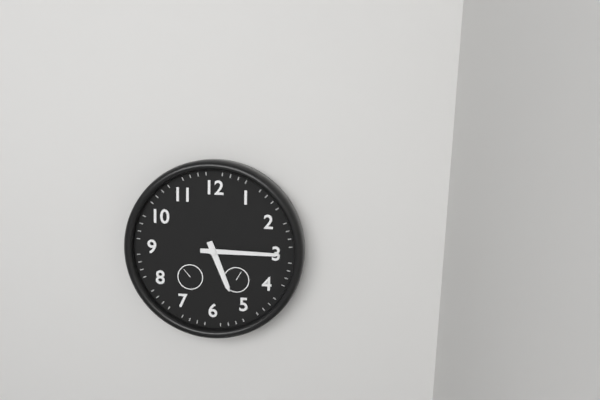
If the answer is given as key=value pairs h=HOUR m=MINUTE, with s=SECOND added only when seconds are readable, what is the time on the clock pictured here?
h=5 m=15
